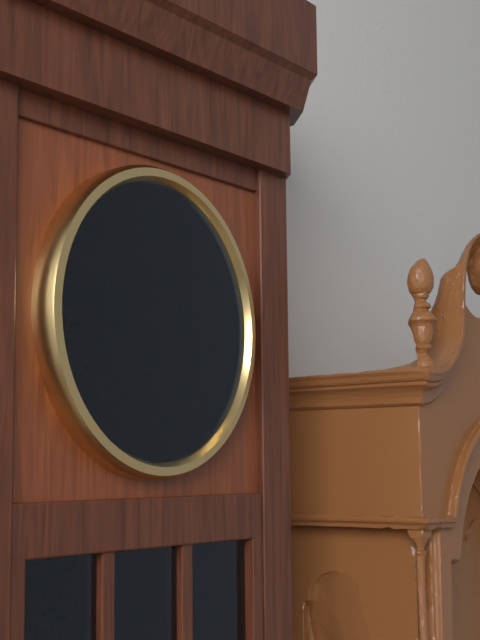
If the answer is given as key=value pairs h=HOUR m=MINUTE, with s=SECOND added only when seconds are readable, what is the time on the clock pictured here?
h=2 m=38
